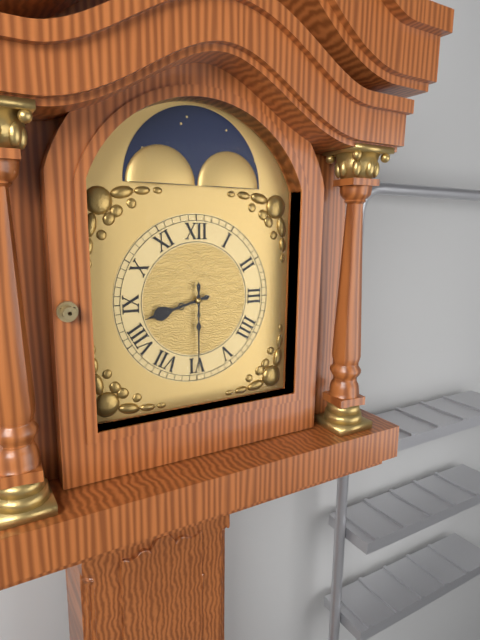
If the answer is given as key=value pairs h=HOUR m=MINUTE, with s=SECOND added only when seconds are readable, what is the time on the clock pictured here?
h=8 m=30
